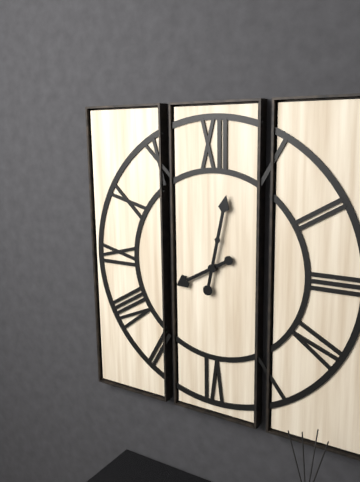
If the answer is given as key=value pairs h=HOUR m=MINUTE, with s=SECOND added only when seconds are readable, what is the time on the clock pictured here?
h=8 m=2
